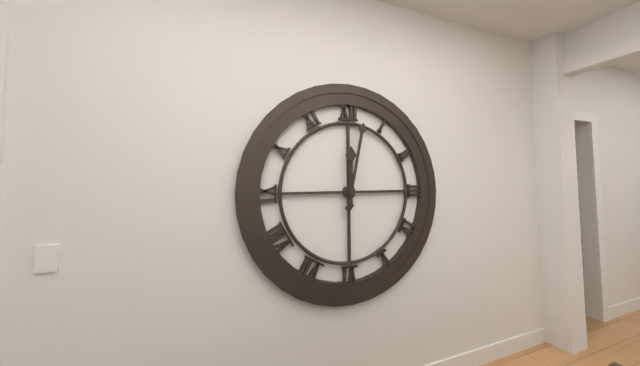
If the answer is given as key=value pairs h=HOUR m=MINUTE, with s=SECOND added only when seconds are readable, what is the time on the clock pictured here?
h=12 m=2
